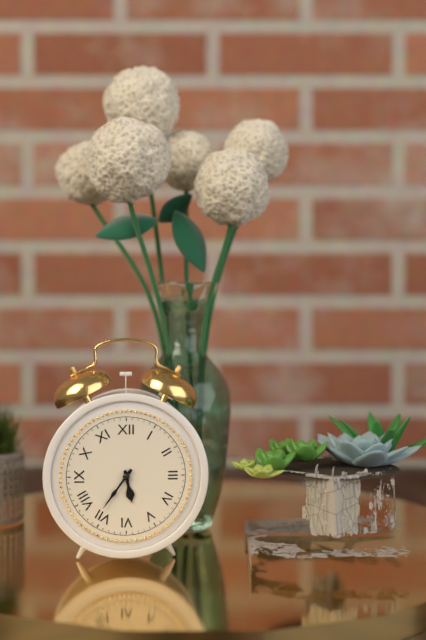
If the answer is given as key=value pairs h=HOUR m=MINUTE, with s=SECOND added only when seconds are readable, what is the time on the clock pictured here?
h=5 m=36
